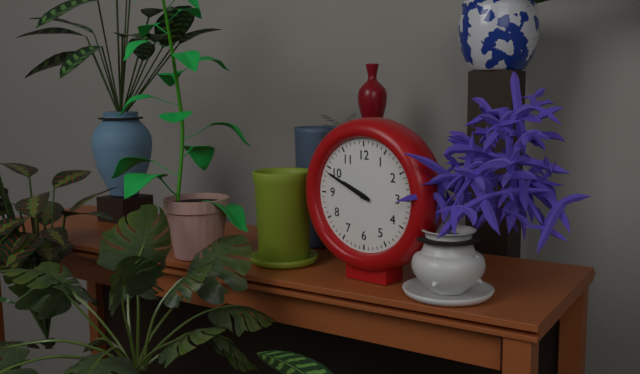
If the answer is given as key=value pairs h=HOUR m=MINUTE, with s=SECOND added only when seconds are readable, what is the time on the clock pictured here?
h=9 m=49
